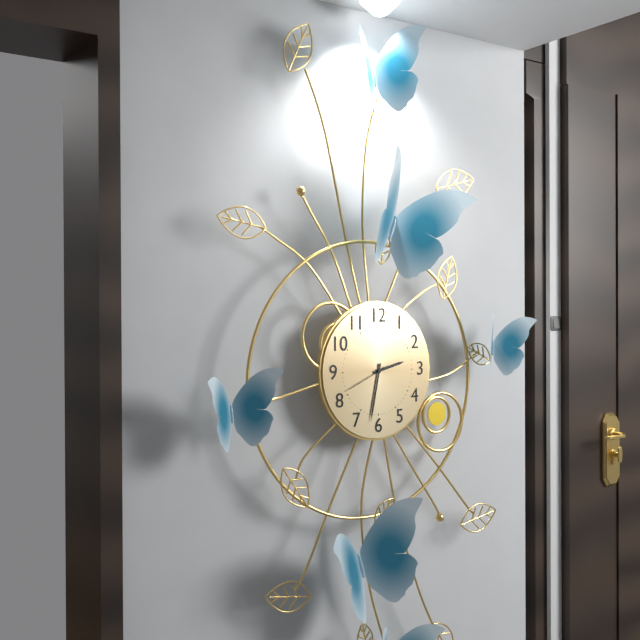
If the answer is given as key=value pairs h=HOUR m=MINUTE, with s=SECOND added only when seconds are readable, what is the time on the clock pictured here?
h=2 m=32 s=41
